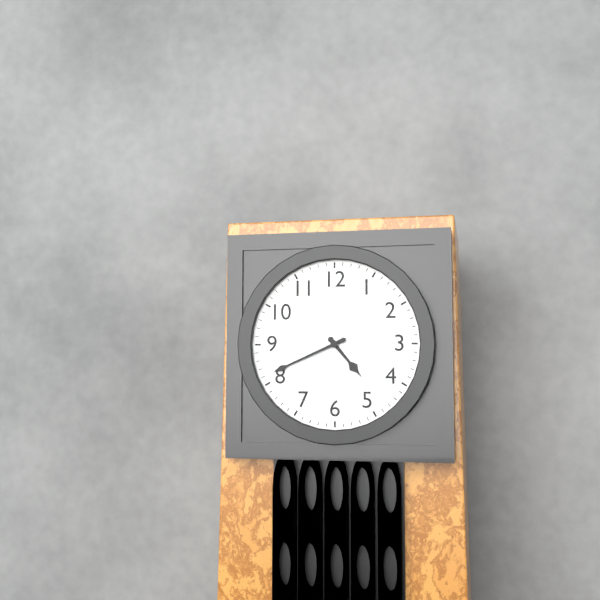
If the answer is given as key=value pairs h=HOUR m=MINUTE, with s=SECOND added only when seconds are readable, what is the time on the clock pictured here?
h=4 m=41
